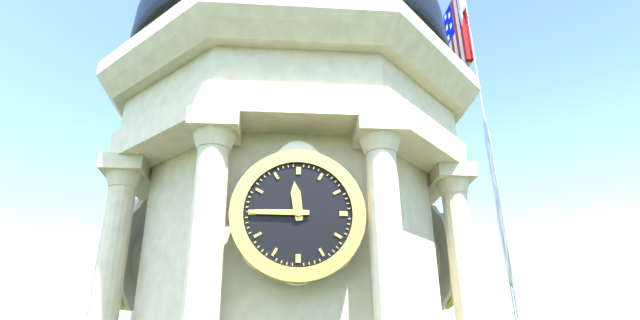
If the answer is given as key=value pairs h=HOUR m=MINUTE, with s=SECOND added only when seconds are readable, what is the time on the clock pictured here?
h=11 m=45
